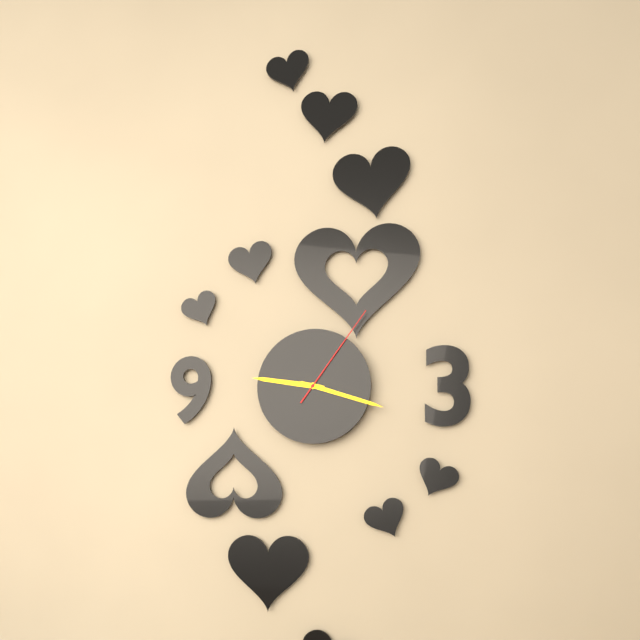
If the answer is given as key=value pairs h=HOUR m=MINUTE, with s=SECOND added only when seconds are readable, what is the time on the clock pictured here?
h=9 m=18 s=6
